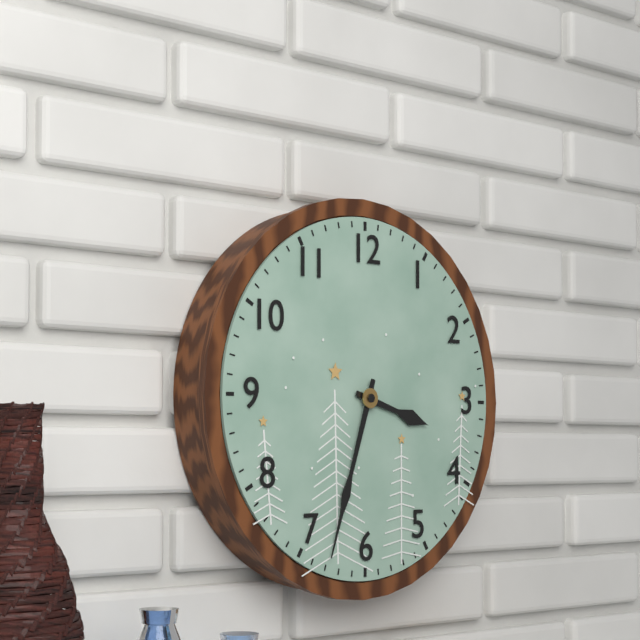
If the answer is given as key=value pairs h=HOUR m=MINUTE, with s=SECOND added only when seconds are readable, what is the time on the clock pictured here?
h=3 m=33
